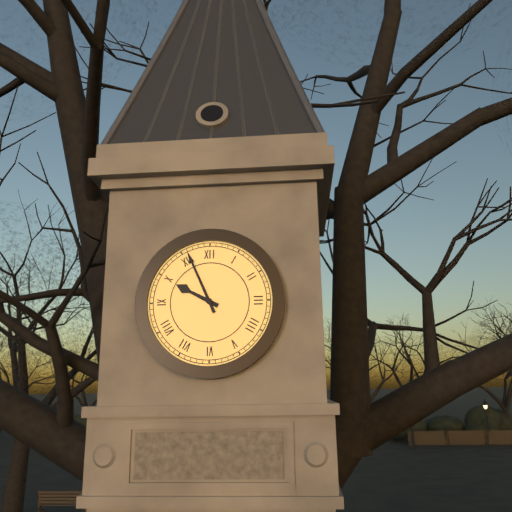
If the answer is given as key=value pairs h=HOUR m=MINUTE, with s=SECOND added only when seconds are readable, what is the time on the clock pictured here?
h=9 m=56
